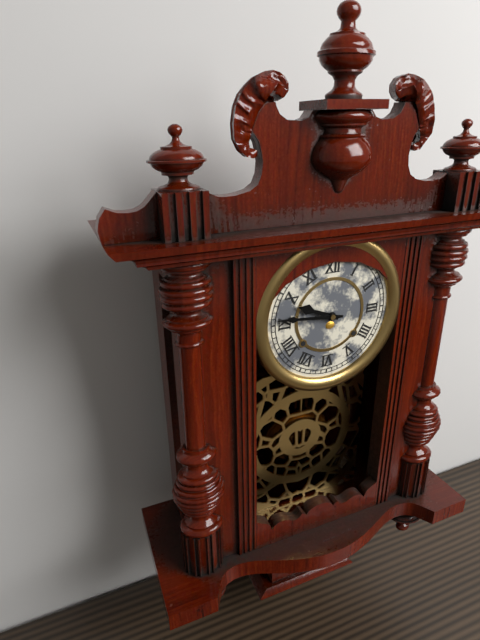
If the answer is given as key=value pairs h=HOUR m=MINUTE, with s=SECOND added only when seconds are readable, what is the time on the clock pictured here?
h=9 m=46
